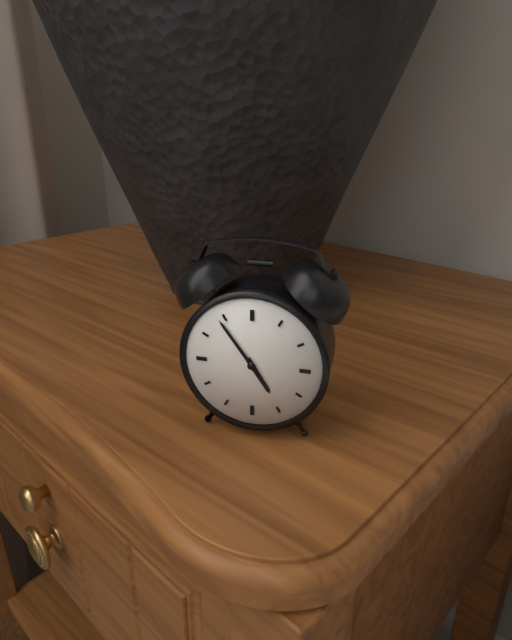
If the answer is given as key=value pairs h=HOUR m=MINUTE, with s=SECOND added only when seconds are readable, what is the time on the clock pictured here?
h=4 m=54
